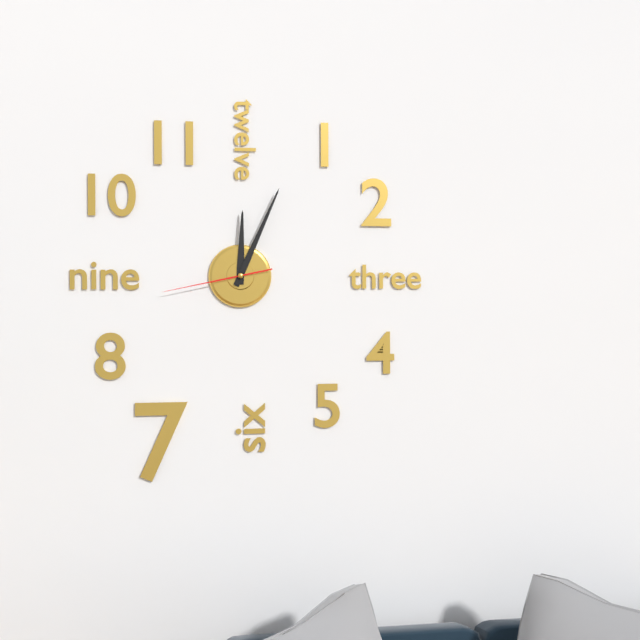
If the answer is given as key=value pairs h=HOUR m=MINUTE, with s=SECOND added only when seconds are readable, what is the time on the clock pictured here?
h=12 m=4 s=43
